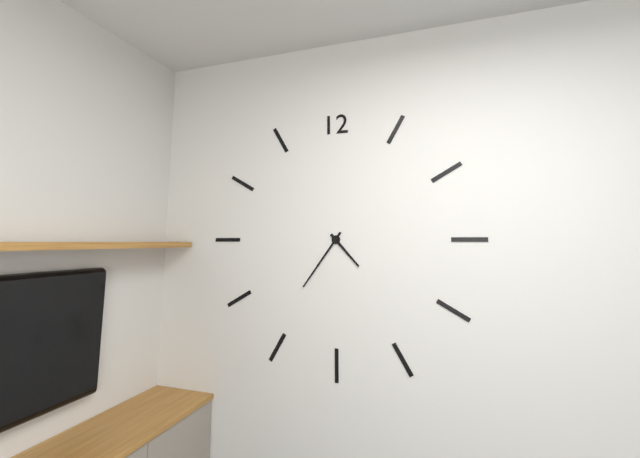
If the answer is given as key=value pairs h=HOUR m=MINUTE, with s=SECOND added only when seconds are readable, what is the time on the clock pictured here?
h=4 m=36
